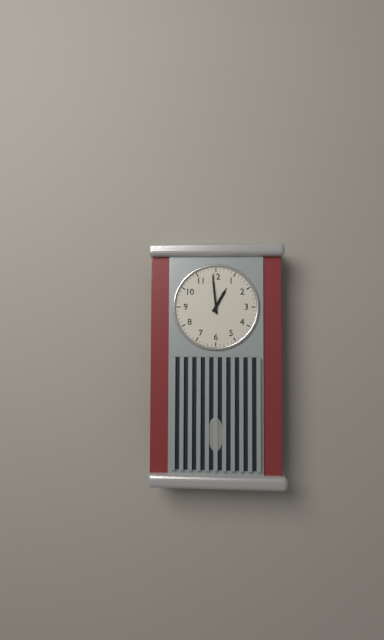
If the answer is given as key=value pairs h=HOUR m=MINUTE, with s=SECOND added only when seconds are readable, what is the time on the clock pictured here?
h=12 m=59
